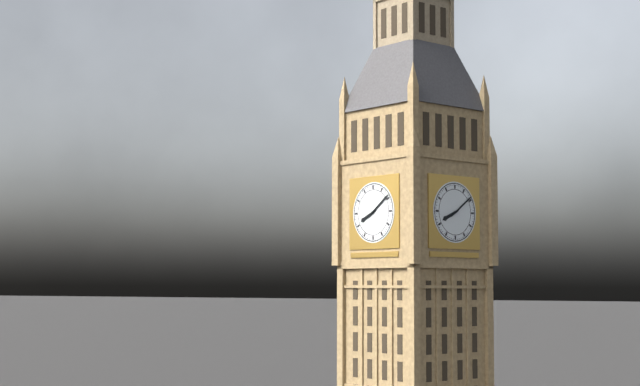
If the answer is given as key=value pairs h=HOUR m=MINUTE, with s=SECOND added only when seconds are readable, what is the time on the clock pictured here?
h=8 m=9
